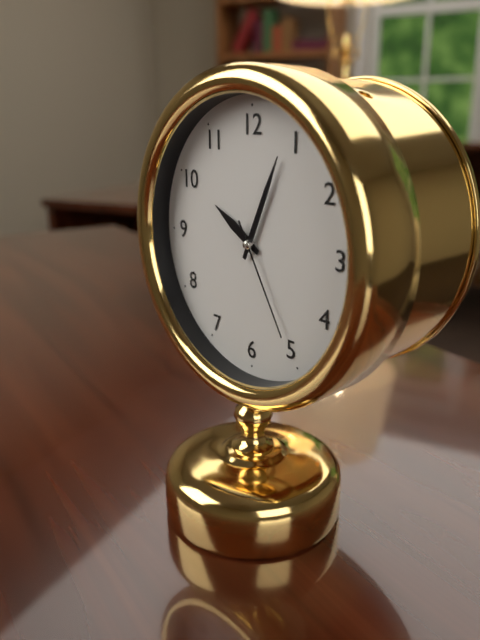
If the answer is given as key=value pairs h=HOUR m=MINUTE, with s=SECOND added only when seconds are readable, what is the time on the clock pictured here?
h=10 m=4 s=25
